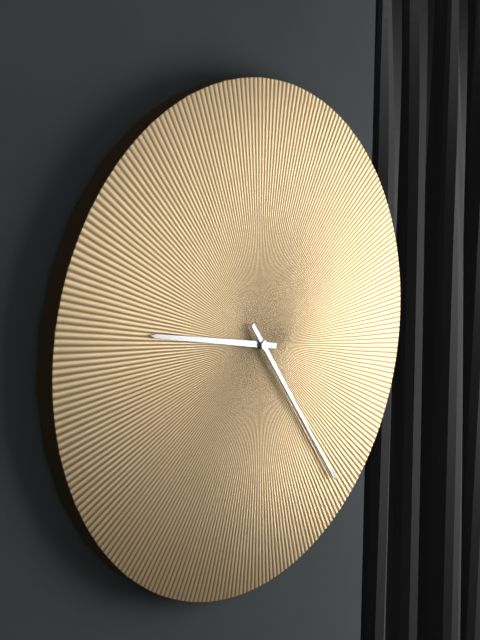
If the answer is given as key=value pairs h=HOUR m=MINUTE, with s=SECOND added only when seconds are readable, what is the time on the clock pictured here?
h=9 m=24
